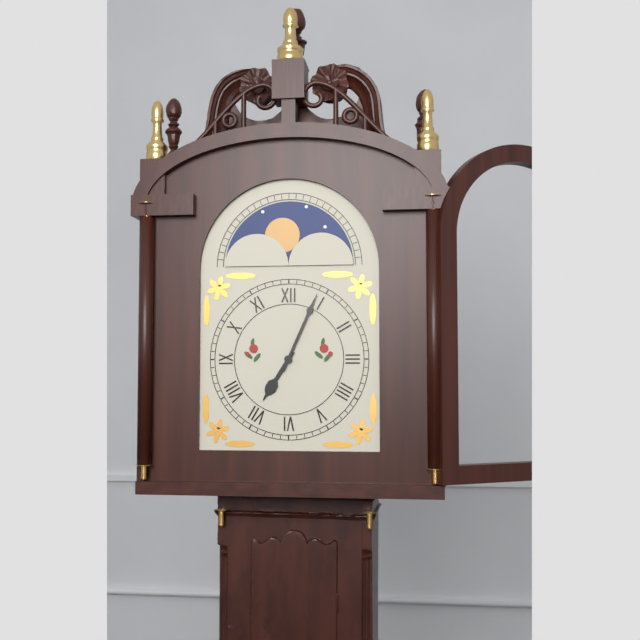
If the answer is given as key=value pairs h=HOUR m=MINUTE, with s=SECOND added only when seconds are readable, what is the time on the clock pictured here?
h=7 m=4
